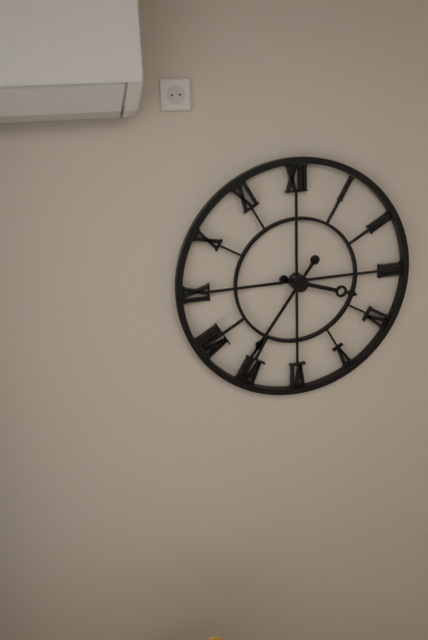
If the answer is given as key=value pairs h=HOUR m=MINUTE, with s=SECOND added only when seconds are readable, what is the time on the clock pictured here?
h=3 m=36
